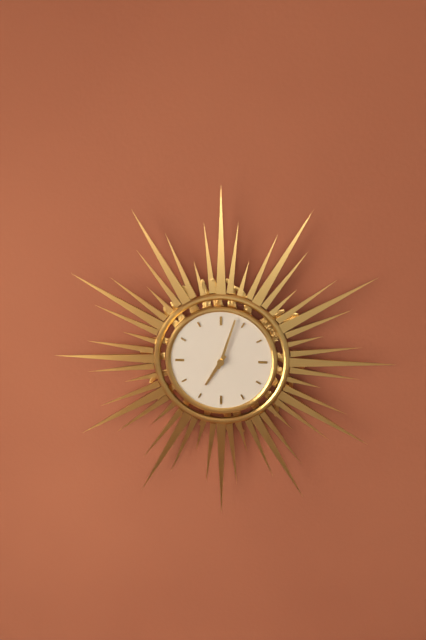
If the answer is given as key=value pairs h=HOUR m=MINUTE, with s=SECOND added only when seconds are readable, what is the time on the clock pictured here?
h=7 m=3
